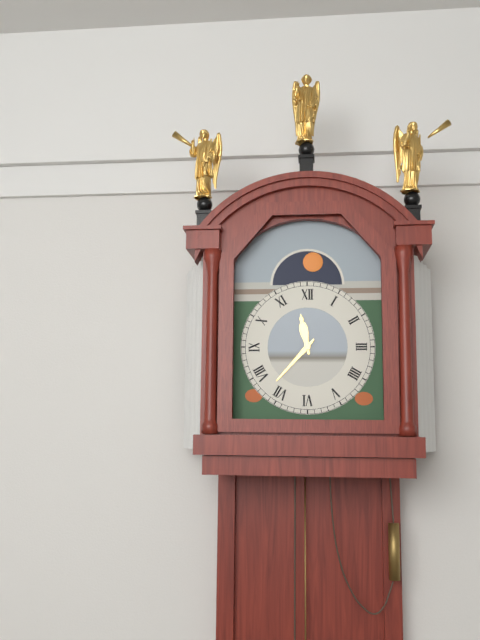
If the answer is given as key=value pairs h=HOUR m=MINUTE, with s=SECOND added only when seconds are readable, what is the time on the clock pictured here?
h=11 m=37
